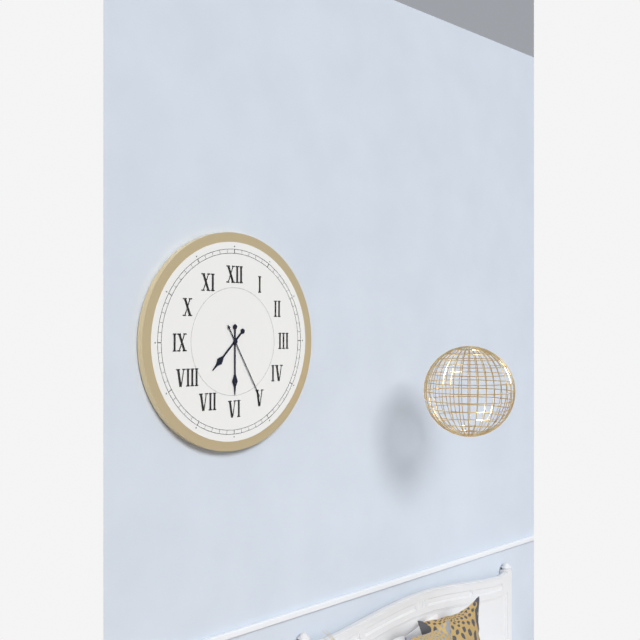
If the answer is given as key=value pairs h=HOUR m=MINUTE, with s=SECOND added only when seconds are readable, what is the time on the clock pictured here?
h=7 m=30 s=25
